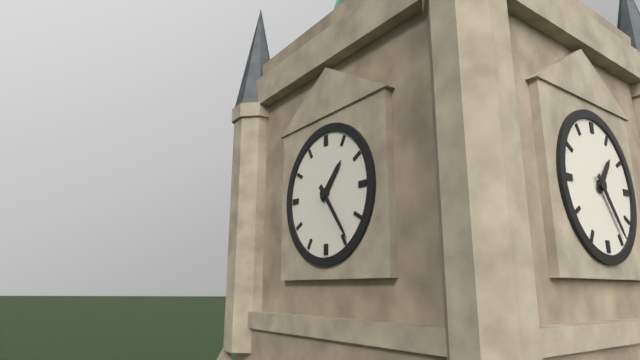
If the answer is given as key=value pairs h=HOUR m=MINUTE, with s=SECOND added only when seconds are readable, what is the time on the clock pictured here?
h=1 m=24
